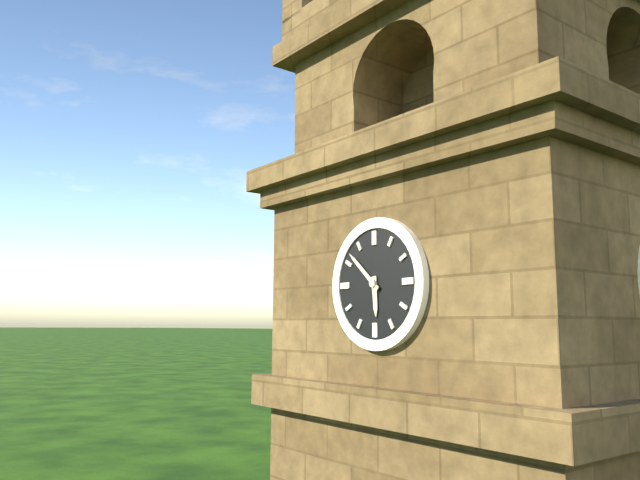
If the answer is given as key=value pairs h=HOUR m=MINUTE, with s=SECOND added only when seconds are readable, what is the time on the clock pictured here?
h=5 m=52
